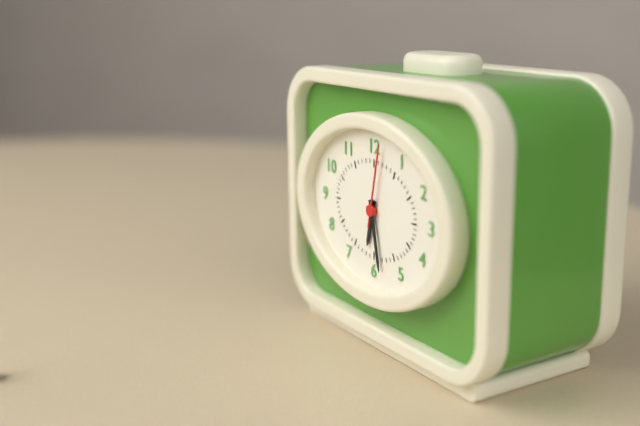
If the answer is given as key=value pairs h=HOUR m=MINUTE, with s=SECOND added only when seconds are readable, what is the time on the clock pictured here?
h=6 m=28 s=2
